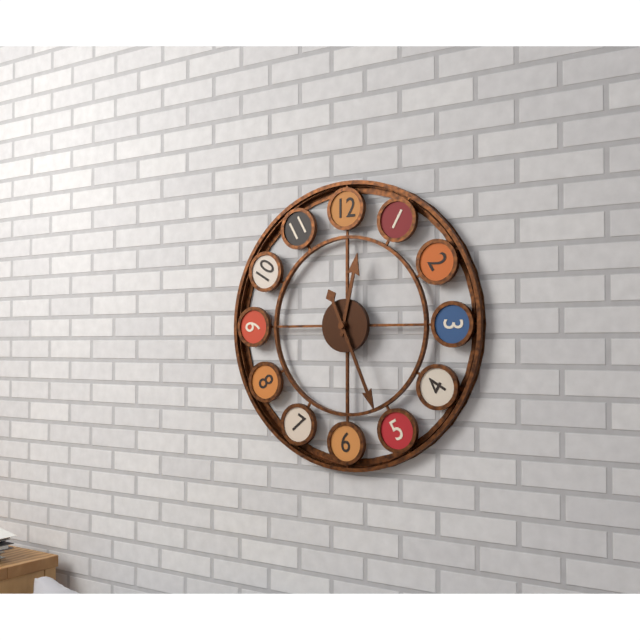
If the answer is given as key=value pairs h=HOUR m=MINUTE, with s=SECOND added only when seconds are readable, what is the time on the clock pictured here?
h=12 m=26
